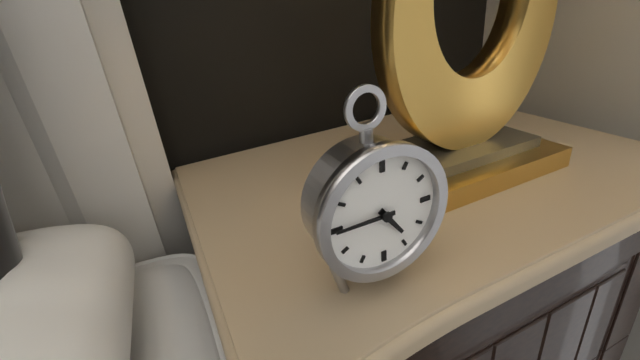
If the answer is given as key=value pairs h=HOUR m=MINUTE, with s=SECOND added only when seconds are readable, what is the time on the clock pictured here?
h=4 m=45
